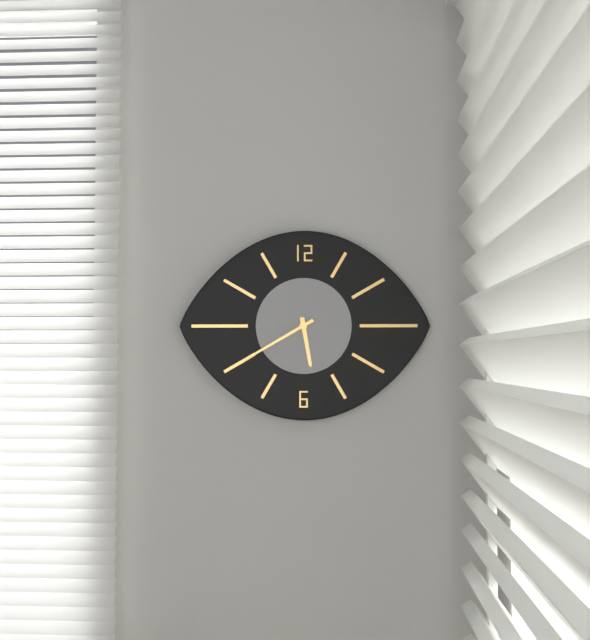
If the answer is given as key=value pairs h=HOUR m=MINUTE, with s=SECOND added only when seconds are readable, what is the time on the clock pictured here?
h=5 m=40
